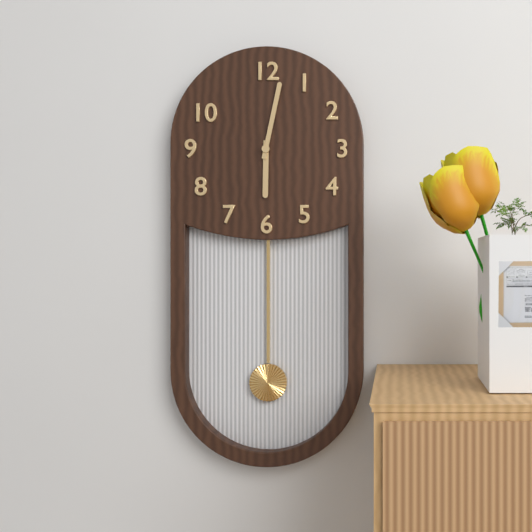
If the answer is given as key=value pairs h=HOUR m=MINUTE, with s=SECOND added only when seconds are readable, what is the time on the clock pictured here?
h=6 m=2
